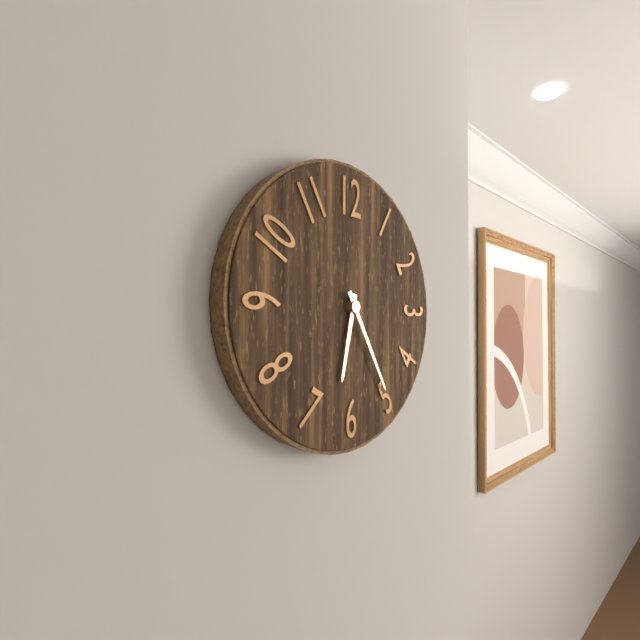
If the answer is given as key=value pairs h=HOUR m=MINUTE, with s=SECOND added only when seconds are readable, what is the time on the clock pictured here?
h=6 m=25
